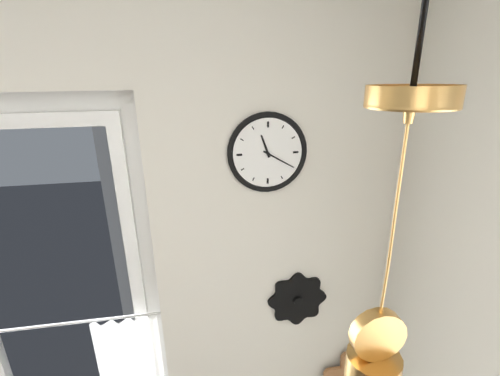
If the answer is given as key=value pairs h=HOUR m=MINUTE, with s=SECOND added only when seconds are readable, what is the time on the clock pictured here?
h=11 m=20
